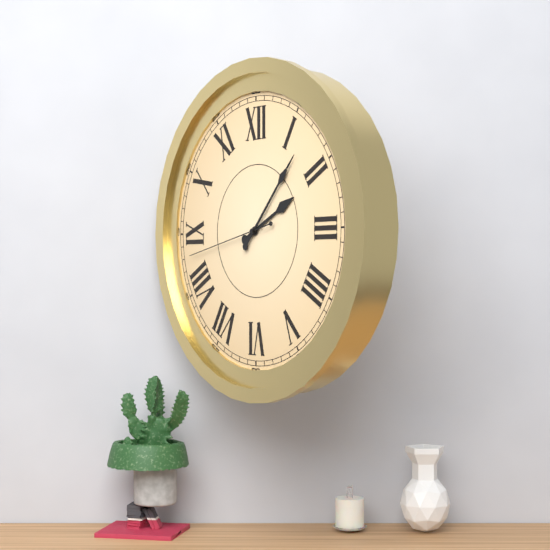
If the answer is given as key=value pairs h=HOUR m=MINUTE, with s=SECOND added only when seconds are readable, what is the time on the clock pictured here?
h=2 m=7 s=43
